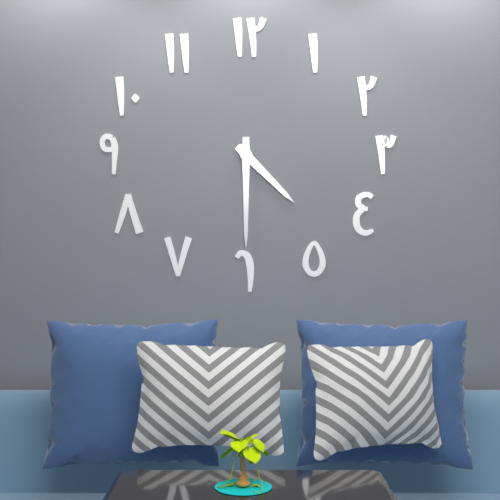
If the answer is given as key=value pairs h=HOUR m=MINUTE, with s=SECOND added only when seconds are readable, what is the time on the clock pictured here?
h=4 m=30
